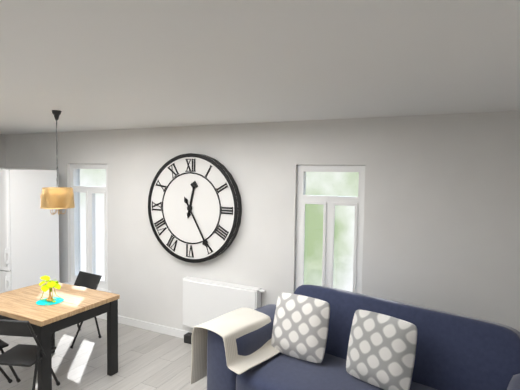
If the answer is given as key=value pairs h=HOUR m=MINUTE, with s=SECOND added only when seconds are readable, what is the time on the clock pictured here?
h=12 m=25
